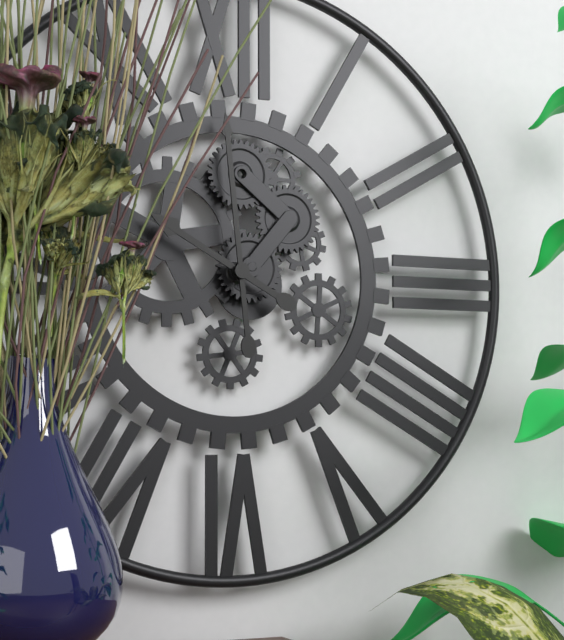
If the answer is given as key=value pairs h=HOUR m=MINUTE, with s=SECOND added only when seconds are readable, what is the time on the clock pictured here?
h=9 m=59
